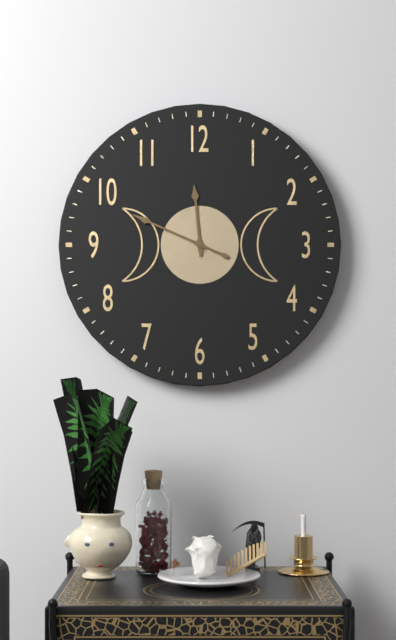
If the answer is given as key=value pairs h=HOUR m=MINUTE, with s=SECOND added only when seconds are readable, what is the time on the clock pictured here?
h=11 m=49
